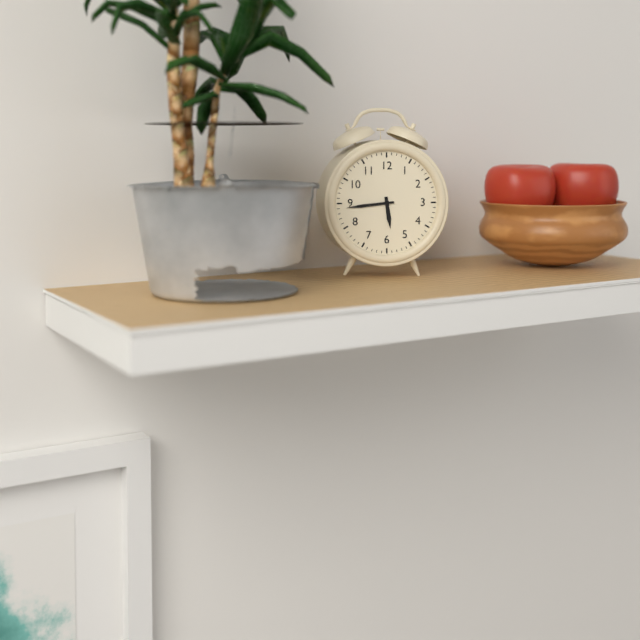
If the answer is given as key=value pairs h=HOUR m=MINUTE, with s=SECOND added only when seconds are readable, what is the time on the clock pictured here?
h=5 m=44
